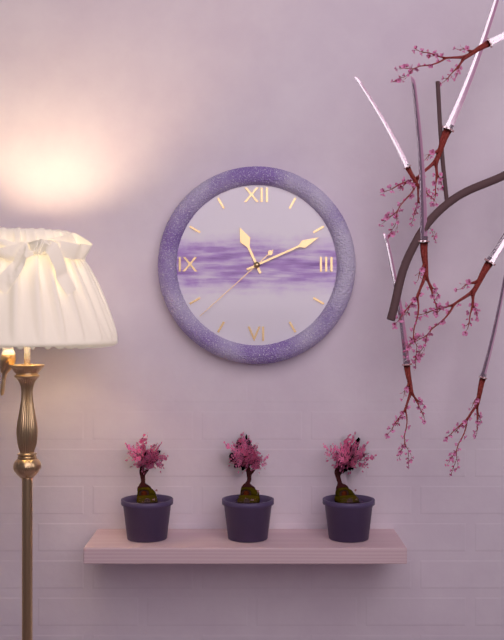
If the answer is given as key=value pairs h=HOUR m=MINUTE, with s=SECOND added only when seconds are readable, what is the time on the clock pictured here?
h=11 m=11 s=38
